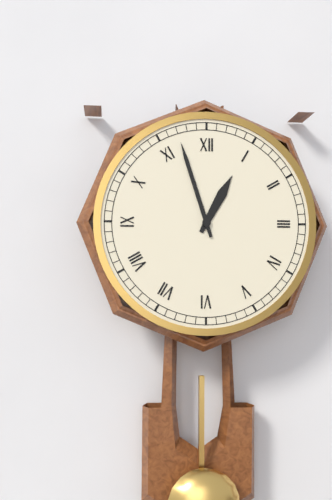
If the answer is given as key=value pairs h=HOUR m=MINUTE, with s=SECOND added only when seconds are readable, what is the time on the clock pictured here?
h=12 m=57
